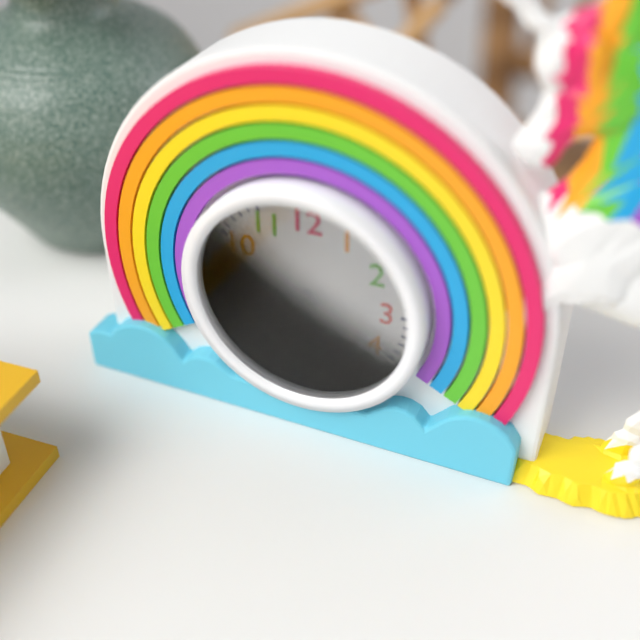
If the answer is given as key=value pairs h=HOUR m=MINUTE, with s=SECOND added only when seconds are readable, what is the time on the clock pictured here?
h=8 m=45
